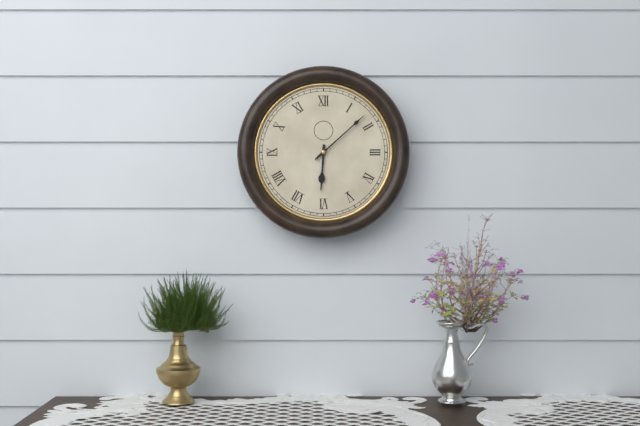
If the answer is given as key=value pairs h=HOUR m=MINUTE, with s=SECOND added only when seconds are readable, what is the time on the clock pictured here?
h=6 m=8
